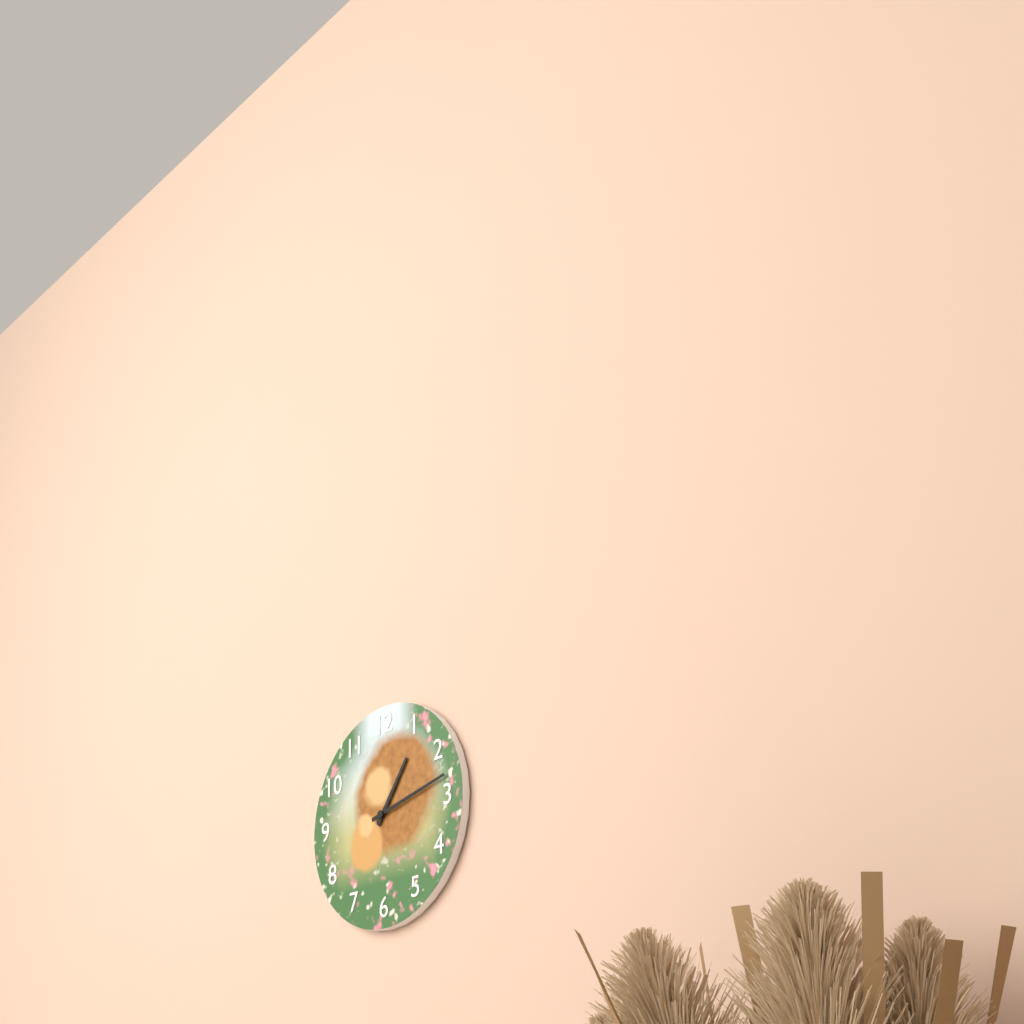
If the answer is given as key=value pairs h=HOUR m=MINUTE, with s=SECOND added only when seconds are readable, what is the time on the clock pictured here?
h=1 m=13
